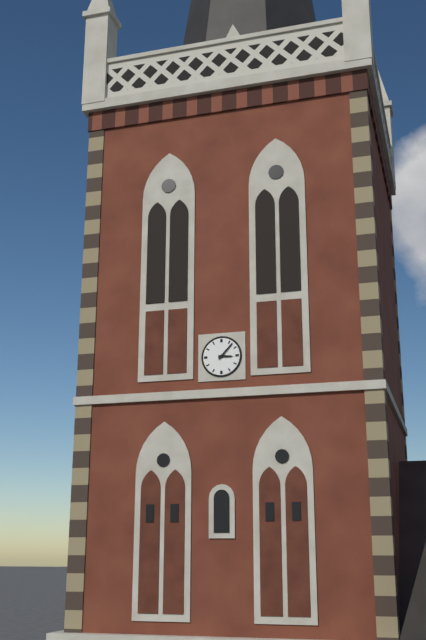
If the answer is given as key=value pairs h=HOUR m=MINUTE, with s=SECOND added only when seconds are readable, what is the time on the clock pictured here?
h=3 m=7
